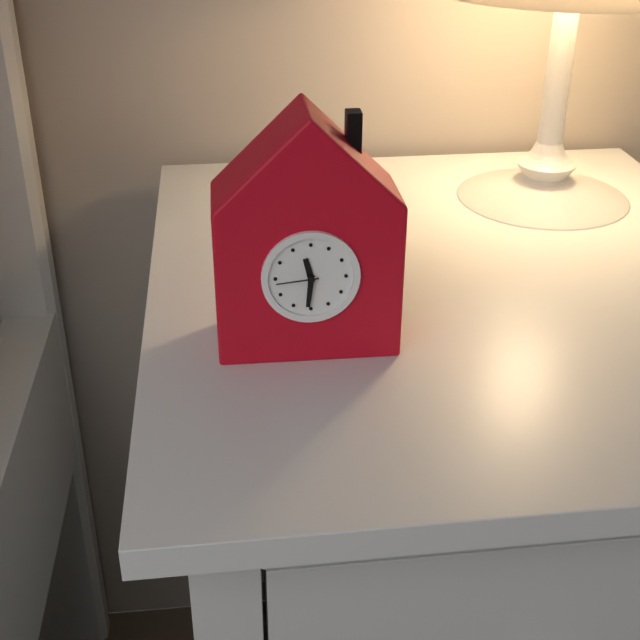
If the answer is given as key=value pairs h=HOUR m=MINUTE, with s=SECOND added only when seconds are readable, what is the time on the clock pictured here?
h=11 m=31
